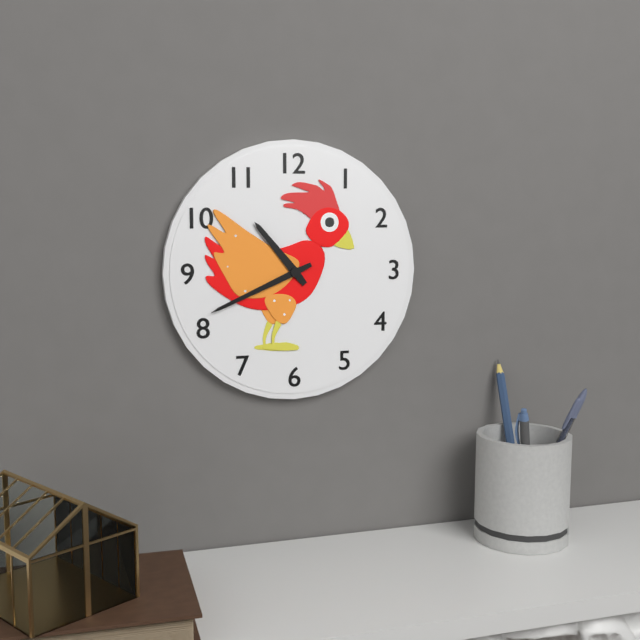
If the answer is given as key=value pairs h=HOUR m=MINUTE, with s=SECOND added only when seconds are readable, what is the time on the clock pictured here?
h=10 m=41
